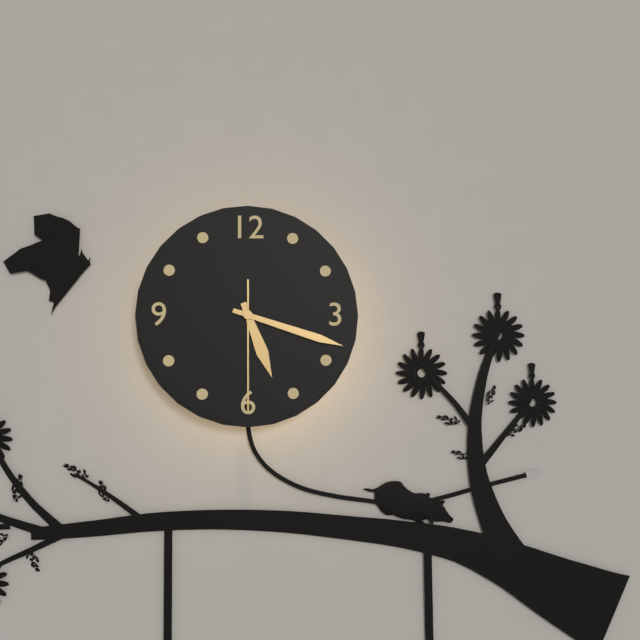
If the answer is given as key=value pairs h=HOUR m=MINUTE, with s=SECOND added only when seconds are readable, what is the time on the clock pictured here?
h=5 m=18 s=30
